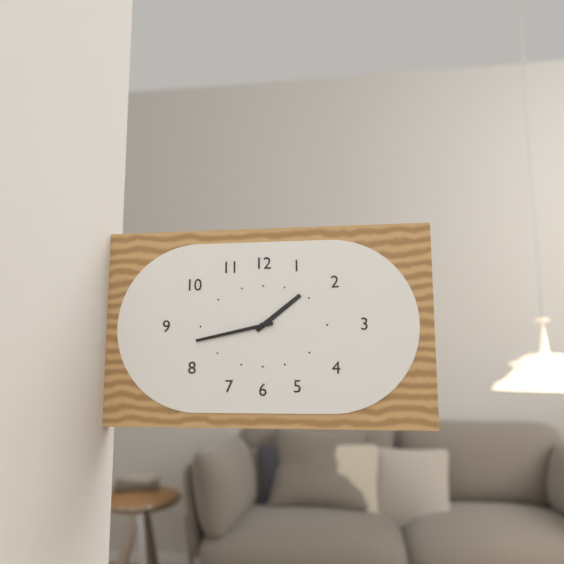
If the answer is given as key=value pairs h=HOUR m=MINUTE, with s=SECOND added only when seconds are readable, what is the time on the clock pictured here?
h=1 m=43
